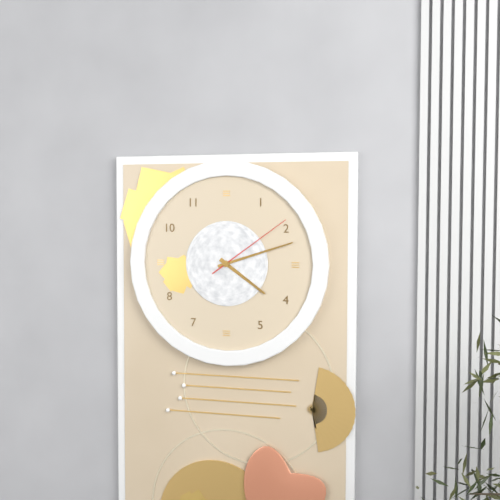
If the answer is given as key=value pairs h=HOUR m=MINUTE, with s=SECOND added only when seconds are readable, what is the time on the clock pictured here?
h=4 m=12 s=9
